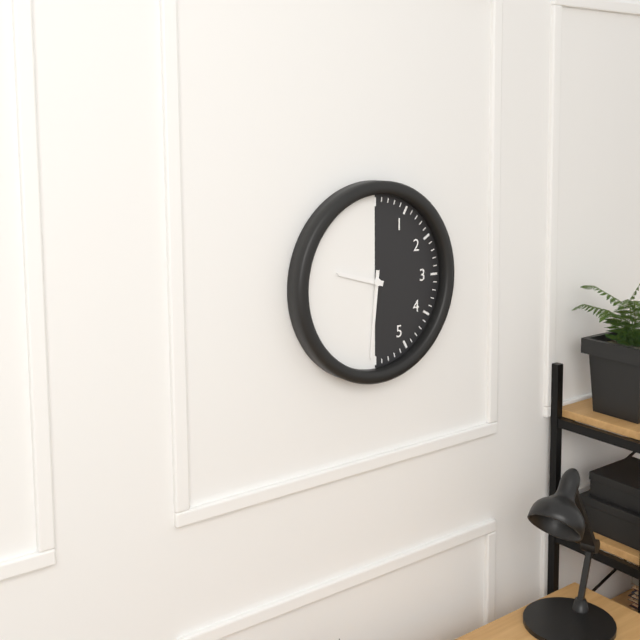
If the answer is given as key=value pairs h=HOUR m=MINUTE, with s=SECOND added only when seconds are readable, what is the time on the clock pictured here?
h=9 m=31
